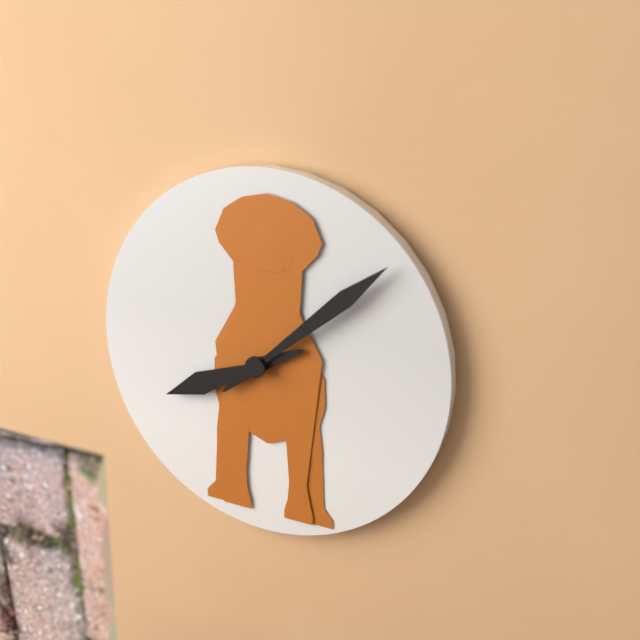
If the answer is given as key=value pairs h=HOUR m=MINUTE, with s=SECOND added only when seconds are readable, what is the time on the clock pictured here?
h=8 m=8
